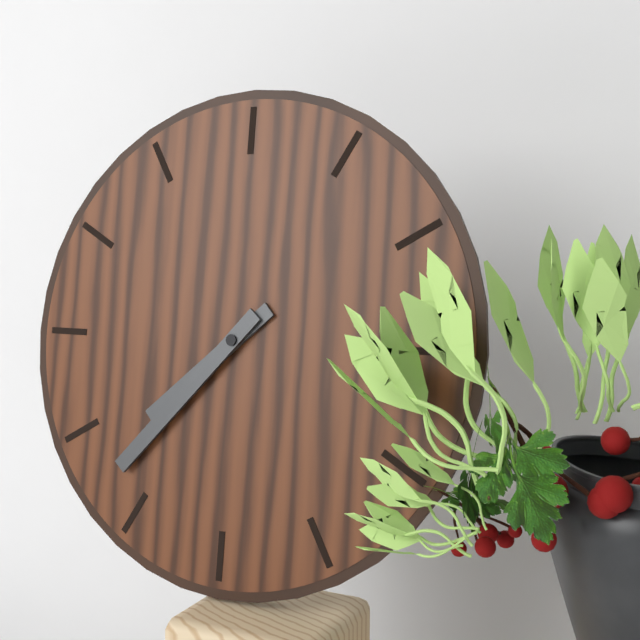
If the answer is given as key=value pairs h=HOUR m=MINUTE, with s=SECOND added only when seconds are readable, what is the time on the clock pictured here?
h=7 m=37
